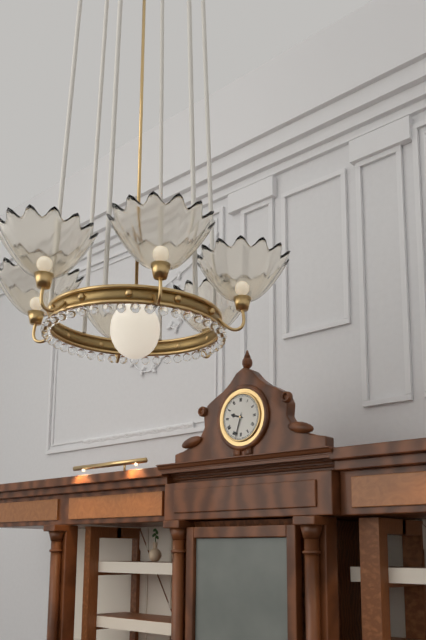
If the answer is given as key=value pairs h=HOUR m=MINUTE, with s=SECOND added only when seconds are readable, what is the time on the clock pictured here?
h=9 m=33
